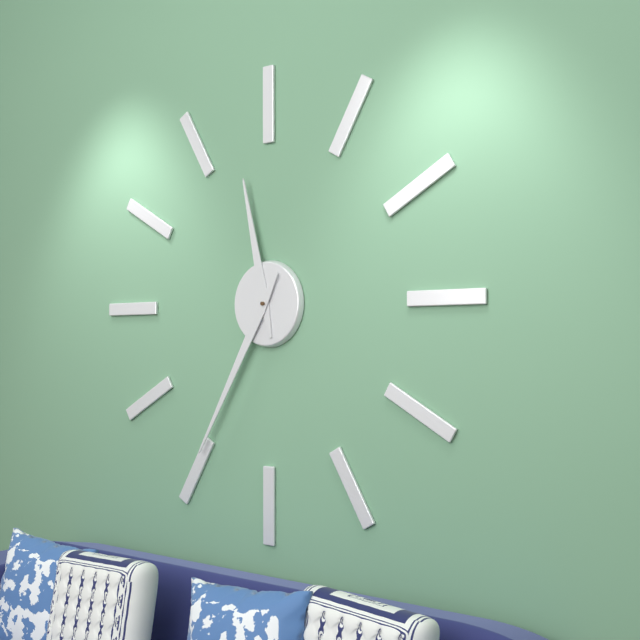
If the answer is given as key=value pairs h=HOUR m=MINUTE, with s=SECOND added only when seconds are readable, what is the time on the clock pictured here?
h=11 m=35
